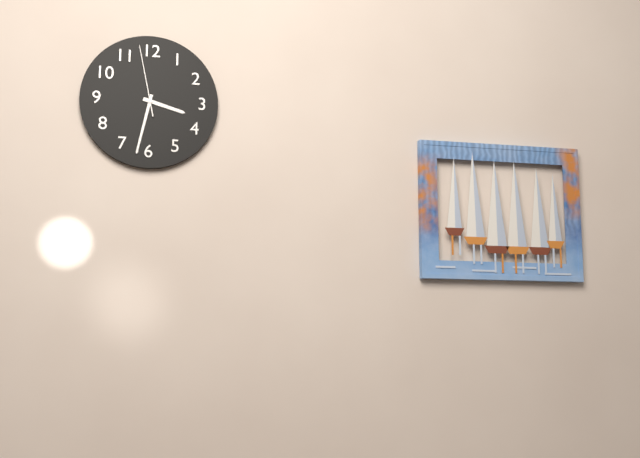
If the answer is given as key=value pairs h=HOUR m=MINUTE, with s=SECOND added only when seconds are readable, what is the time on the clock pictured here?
h=3 m=32 s=58
